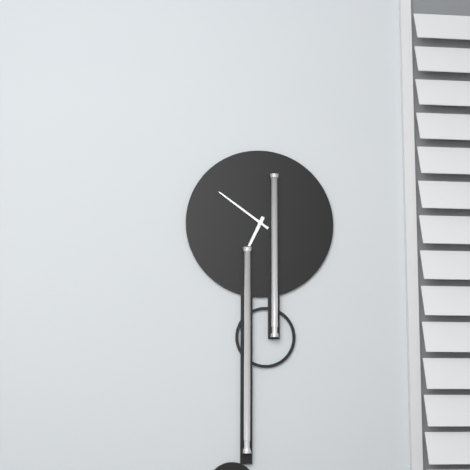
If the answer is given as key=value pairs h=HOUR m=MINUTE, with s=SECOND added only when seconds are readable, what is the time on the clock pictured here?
h=6 m=51
